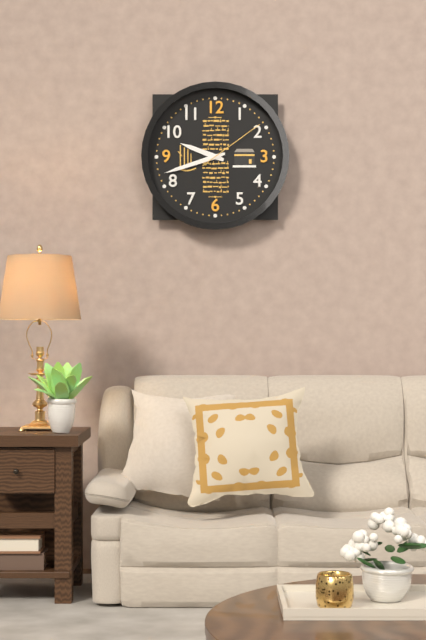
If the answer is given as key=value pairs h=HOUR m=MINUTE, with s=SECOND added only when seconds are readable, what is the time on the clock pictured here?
h=9 m=42 s=9
